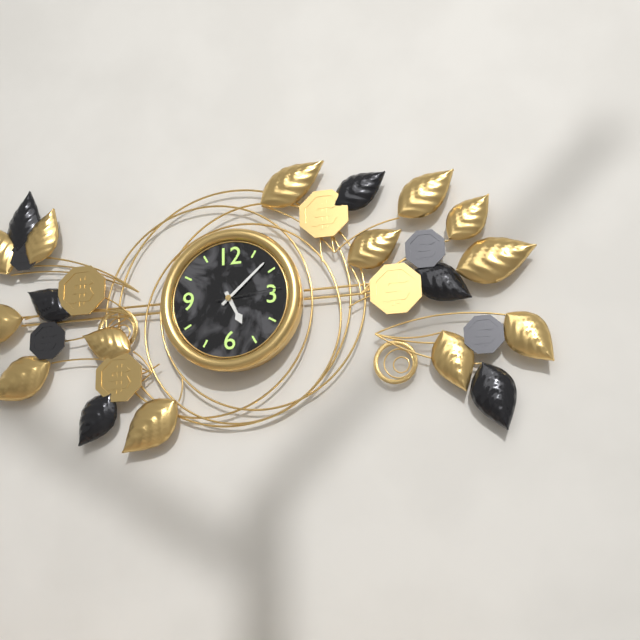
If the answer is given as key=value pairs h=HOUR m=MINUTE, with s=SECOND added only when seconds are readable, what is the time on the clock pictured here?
h=5 m=8 s=14
